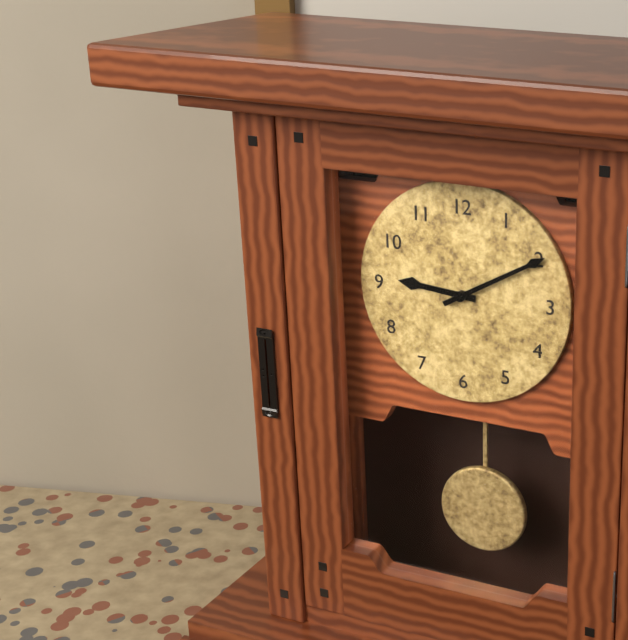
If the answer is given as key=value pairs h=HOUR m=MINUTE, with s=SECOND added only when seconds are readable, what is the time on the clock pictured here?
h=9 m=10
